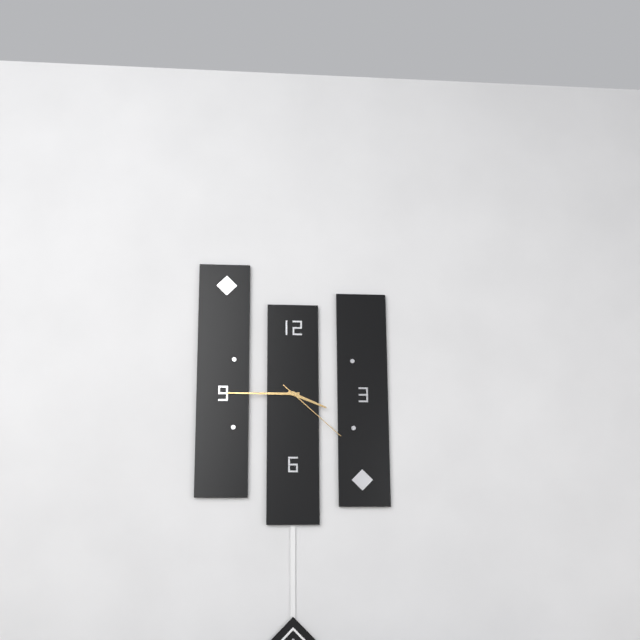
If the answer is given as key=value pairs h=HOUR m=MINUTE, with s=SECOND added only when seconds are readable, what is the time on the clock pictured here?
h=3 m=45 s=22
